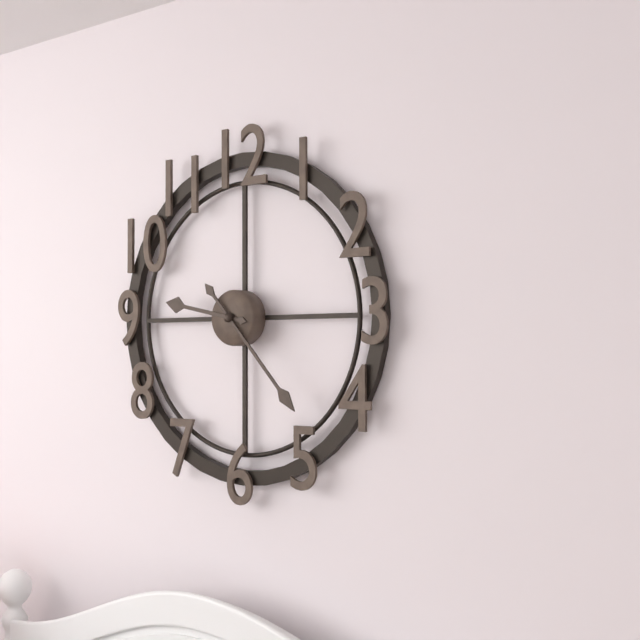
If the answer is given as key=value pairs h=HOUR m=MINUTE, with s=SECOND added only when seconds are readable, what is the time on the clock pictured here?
h=9 m=23
